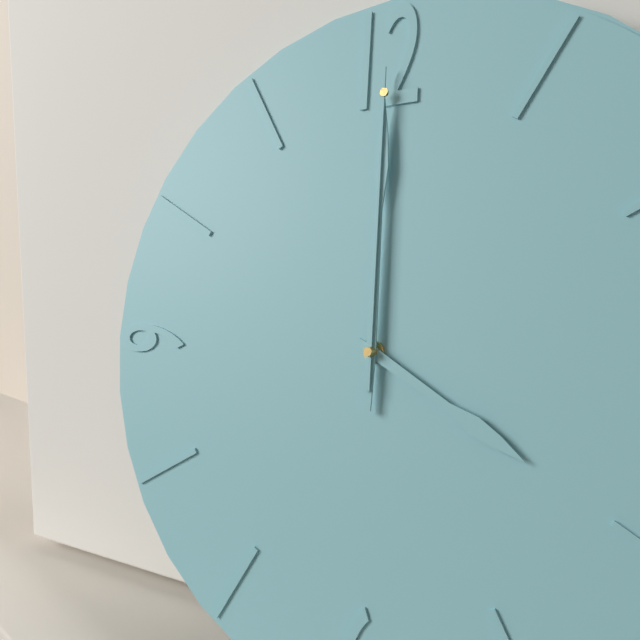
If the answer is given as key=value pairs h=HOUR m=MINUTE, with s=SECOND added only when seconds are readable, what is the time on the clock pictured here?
h=4 m=0 s=0
